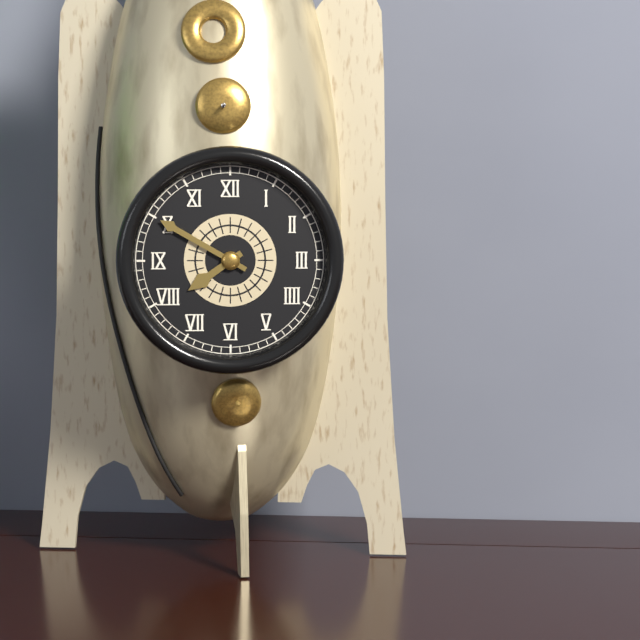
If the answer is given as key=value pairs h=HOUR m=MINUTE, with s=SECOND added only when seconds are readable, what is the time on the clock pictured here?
h=7 m=50
